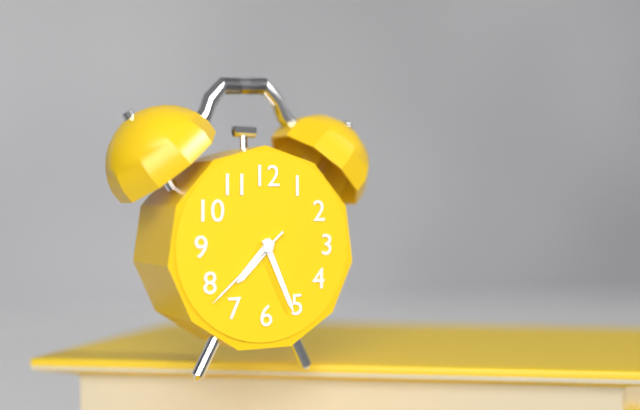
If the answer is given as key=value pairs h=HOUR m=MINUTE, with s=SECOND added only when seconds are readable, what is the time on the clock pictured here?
h=7 m=26 s=38
